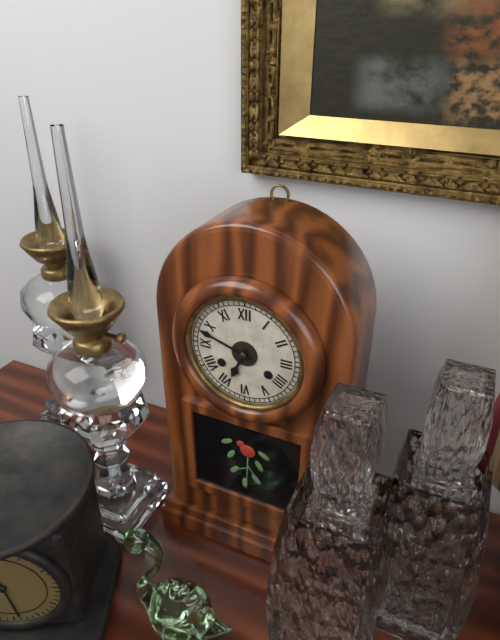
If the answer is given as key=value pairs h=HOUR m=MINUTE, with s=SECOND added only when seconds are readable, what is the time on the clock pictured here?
h=6 m=48
